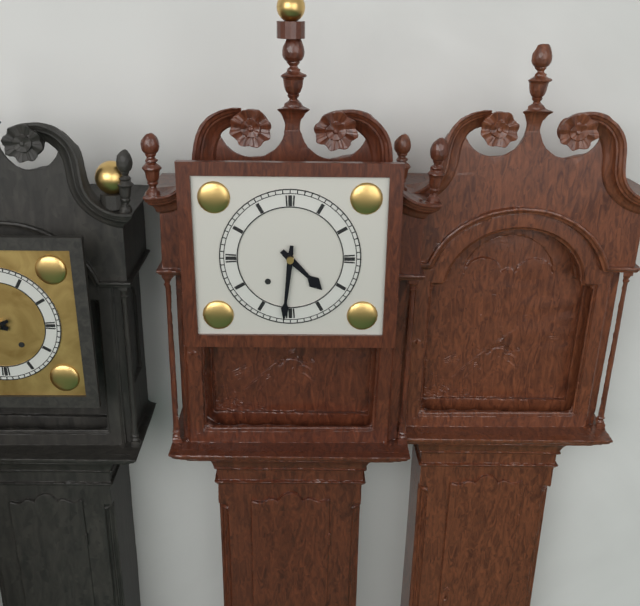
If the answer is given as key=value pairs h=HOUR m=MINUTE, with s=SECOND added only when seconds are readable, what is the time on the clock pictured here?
h=4 m=31
